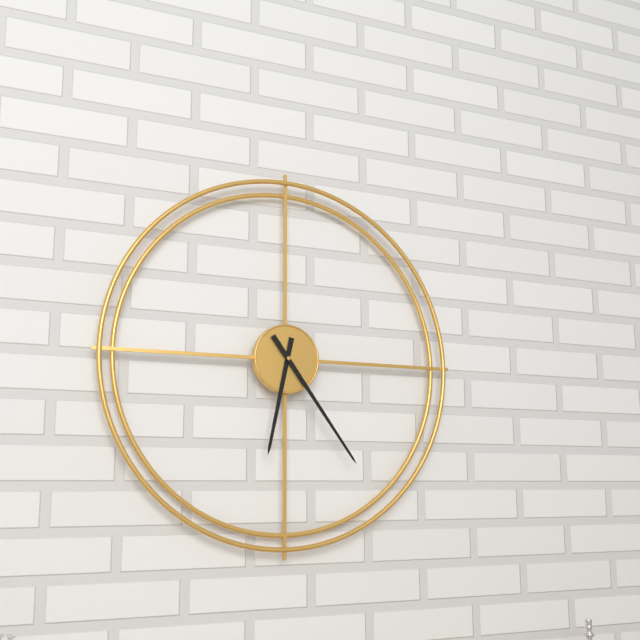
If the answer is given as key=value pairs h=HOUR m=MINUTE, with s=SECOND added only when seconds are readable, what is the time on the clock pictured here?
h=6 m=24
